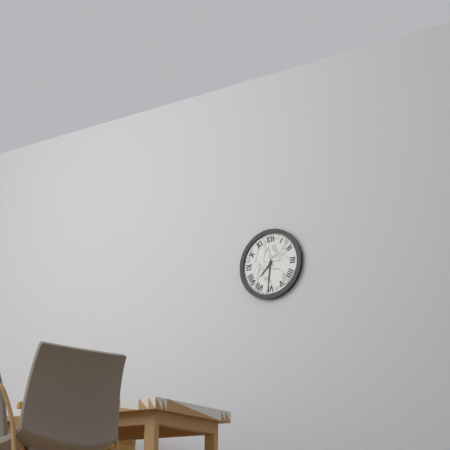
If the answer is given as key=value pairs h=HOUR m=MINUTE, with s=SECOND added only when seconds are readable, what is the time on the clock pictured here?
h=7 m=31
